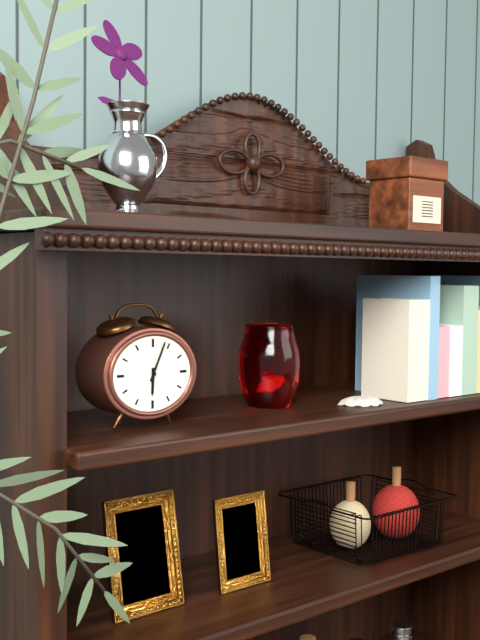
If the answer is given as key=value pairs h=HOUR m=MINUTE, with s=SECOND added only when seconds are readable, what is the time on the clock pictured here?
h=6 m=4
